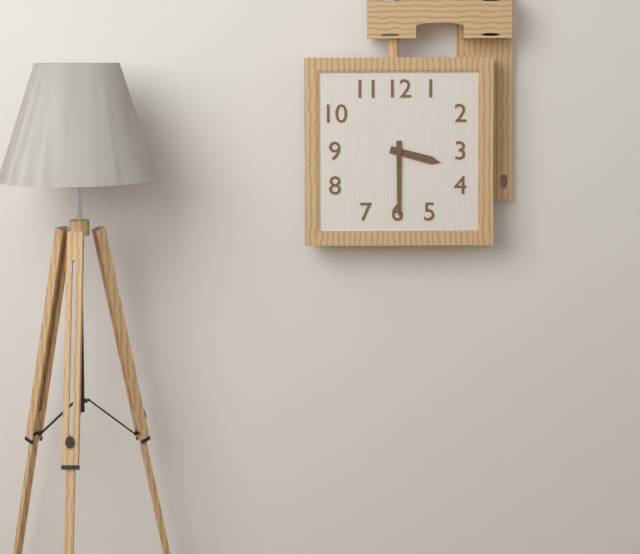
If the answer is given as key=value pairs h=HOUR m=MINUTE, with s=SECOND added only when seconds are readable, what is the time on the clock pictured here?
h=3 m=30
